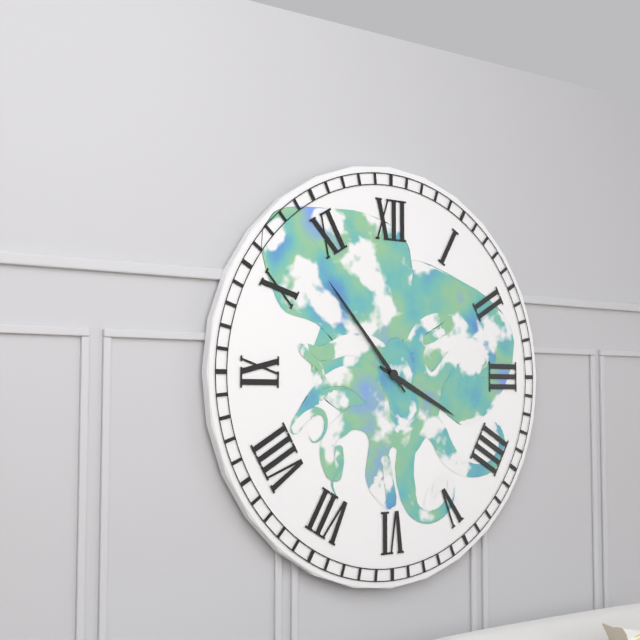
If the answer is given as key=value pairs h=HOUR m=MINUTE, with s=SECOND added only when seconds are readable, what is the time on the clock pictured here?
h=3 m=53
